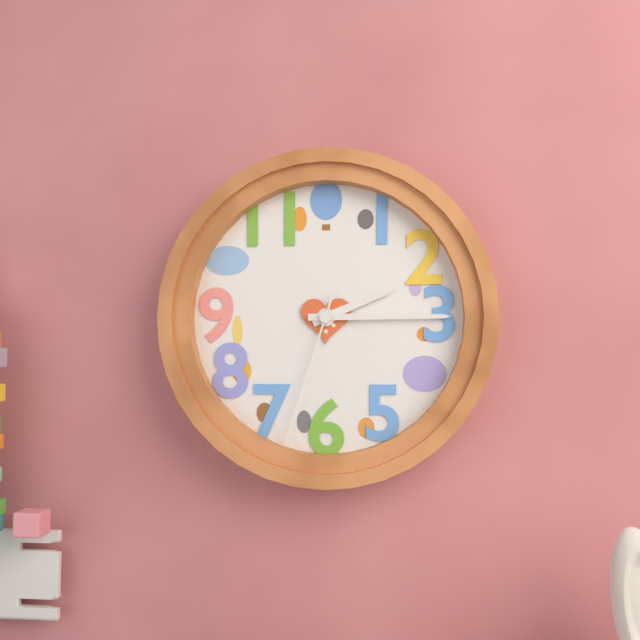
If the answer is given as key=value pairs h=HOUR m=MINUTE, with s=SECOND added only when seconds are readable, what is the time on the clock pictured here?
h=2 m=15 s=33
